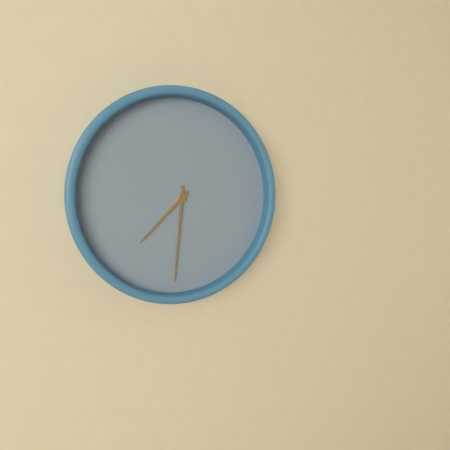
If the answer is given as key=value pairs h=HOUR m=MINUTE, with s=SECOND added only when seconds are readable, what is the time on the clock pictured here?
h=7 m=31
